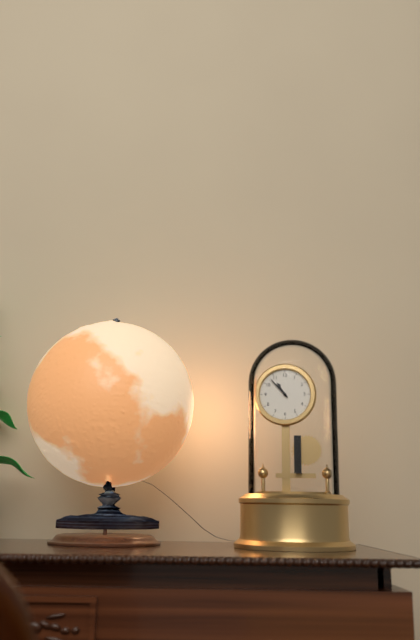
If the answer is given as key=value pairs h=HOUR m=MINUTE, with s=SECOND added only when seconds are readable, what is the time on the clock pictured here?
h=10 m=53
